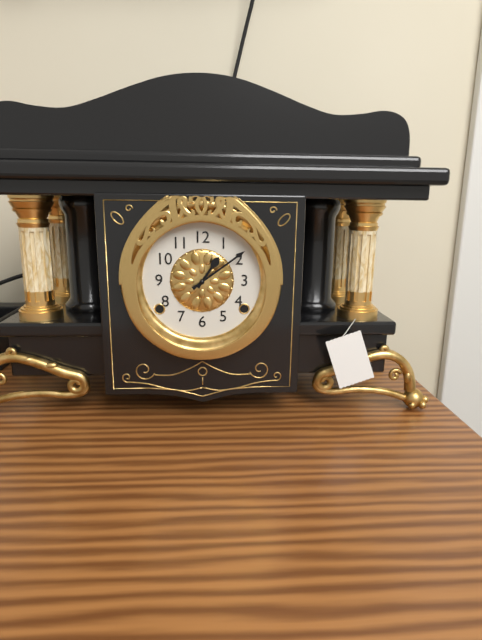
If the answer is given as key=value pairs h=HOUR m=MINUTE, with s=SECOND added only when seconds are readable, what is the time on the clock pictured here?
h=1 m=9
